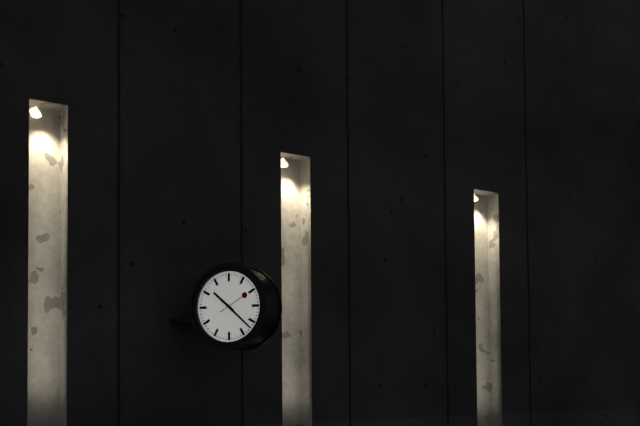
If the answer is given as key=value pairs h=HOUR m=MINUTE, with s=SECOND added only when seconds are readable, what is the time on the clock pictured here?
h=10 m=22
